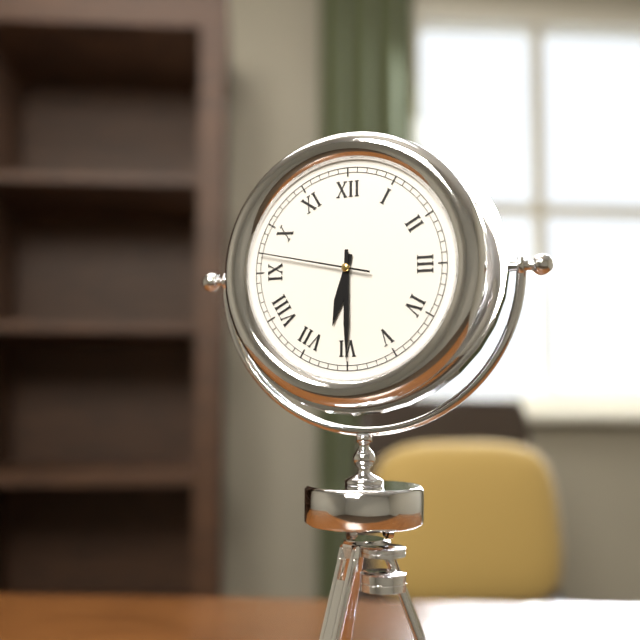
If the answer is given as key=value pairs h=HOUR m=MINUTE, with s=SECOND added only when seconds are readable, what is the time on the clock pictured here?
h=6 m=30 s=47
